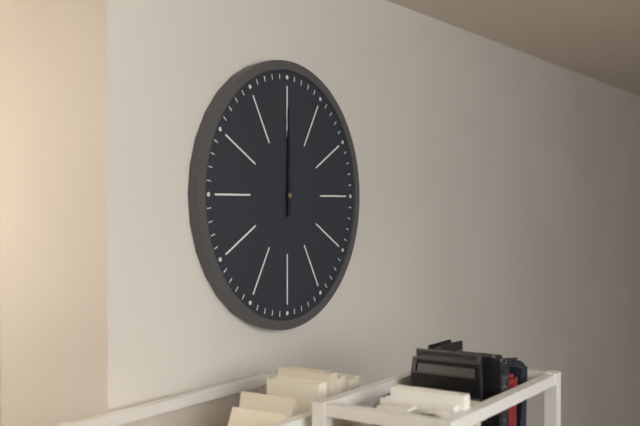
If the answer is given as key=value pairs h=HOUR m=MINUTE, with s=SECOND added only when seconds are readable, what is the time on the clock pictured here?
h=12 m=0
